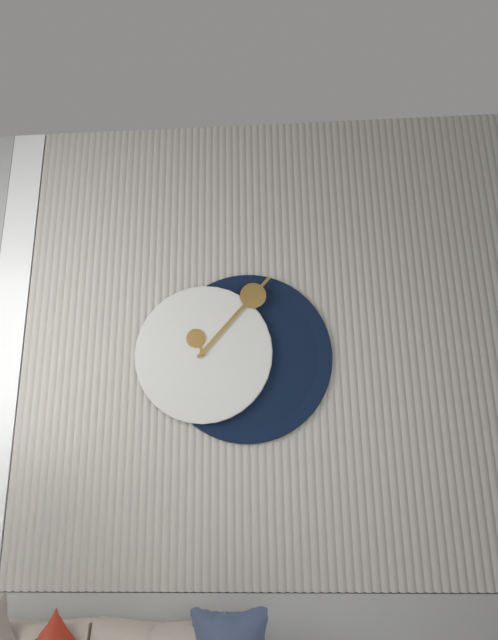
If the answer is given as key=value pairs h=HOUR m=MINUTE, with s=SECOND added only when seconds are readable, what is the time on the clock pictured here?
h=11 m=7
